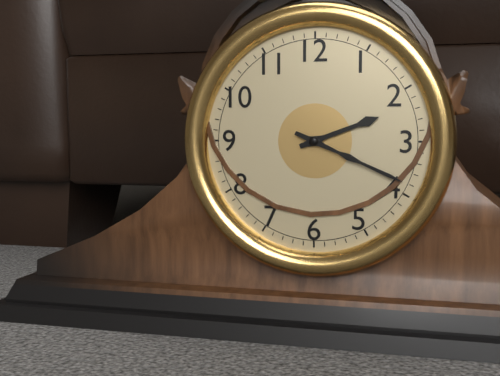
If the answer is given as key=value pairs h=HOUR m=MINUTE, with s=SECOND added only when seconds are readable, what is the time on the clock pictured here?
h=2 m=19
